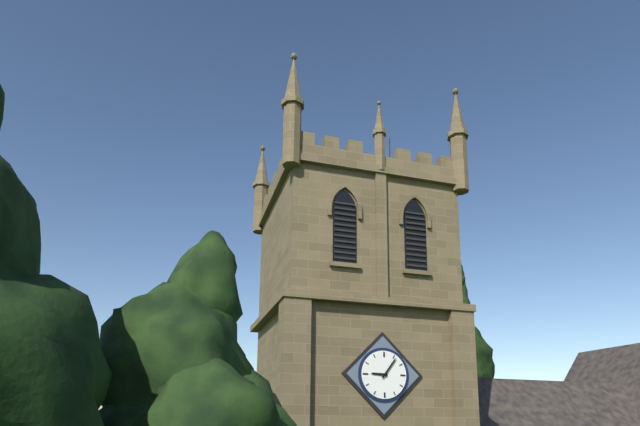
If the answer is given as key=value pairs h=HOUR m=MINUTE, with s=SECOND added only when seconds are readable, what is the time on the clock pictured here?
h=9 m=6
